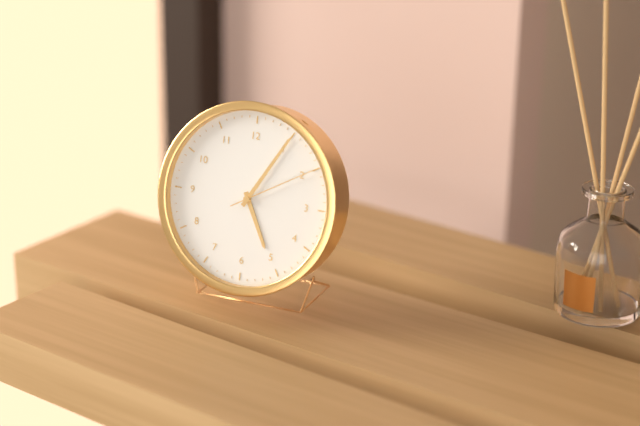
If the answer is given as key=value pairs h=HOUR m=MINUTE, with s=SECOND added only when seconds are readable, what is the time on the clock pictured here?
h=5 m=5 s=10
